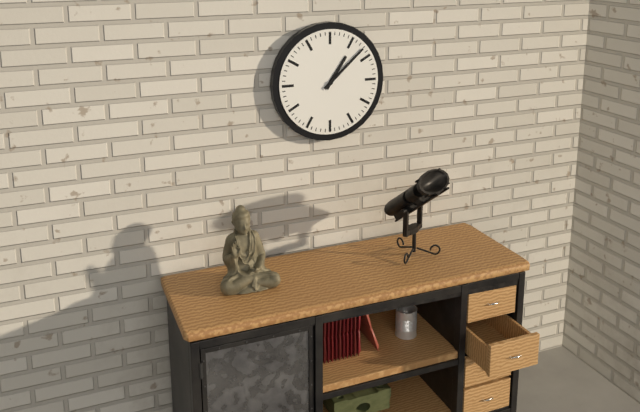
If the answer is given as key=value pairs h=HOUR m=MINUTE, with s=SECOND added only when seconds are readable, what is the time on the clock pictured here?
h=1 m=8
